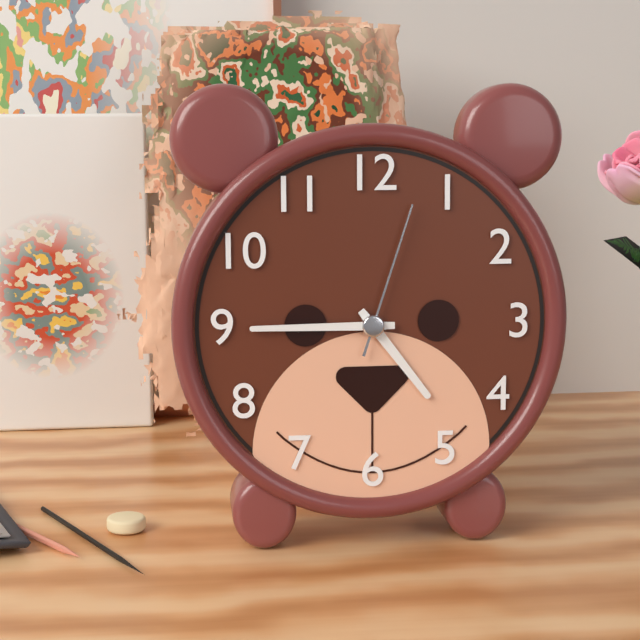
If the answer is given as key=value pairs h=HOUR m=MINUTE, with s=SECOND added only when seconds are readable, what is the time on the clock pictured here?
h=4 m=45 s=3
